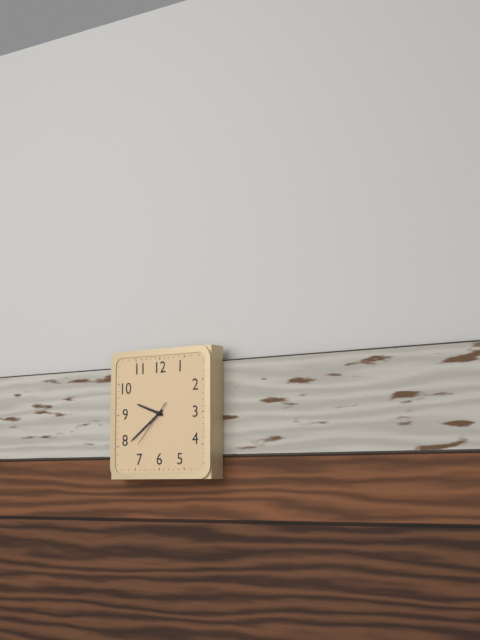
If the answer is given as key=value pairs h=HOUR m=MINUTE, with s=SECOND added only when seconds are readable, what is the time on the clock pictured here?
h=9 m=39
